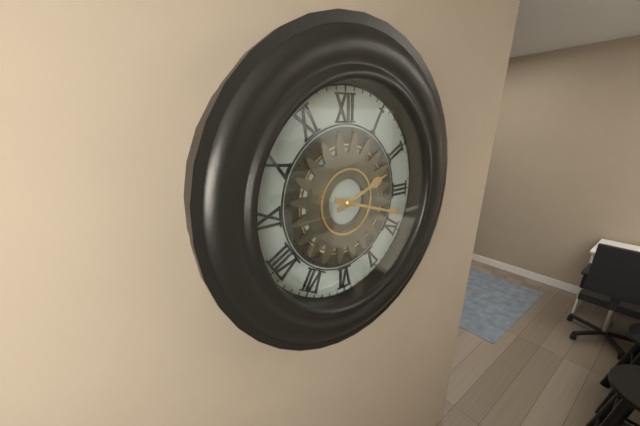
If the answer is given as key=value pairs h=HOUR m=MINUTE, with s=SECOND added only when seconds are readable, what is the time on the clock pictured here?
h=2 m=18
